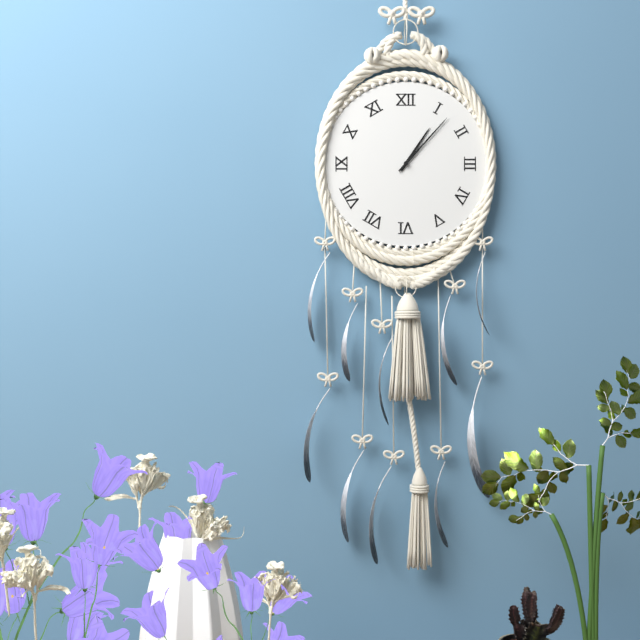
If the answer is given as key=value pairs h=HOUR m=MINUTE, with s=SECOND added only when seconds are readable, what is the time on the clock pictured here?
h=1 m=7
